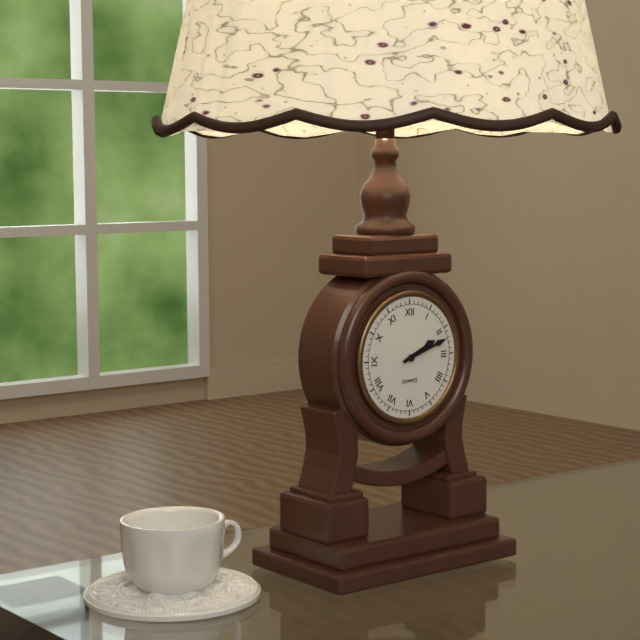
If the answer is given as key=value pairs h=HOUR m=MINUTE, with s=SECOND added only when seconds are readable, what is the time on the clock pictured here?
h=2 m=12
